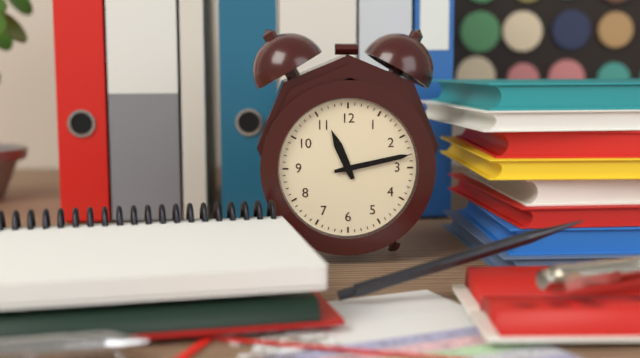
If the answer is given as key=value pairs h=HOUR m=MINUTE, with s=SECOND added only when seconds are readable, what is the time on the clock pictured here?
h=11 m=13
